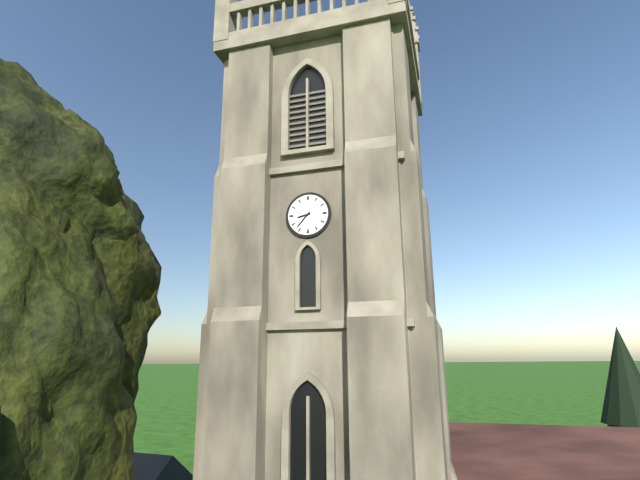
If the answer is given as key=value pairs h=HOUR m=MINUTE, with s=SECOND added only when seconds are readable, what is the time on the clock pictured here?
h=8 m=37
